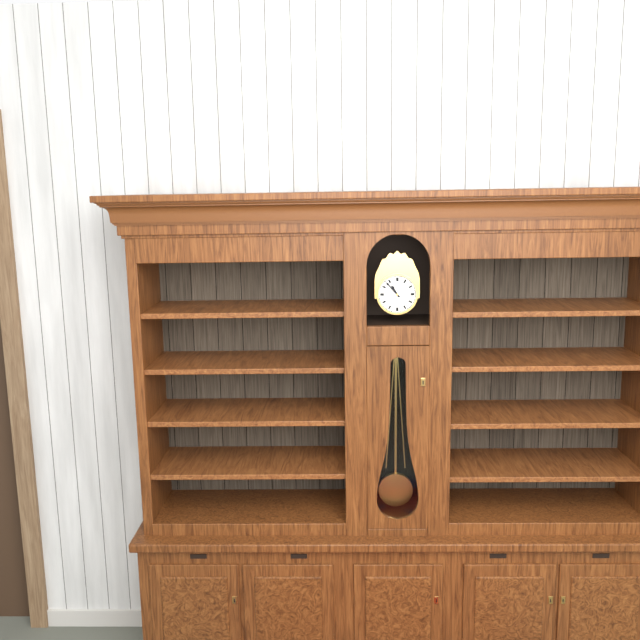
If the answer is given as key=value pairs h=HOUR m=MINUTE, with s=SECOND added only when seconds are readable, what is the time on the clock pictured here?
h=10 m=53
